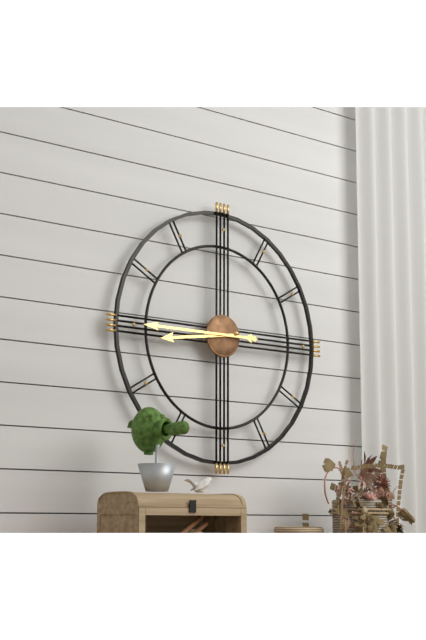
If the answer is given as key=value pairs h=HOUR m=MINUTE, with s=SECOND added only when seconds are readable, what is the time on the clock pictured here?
h=8 m=45
